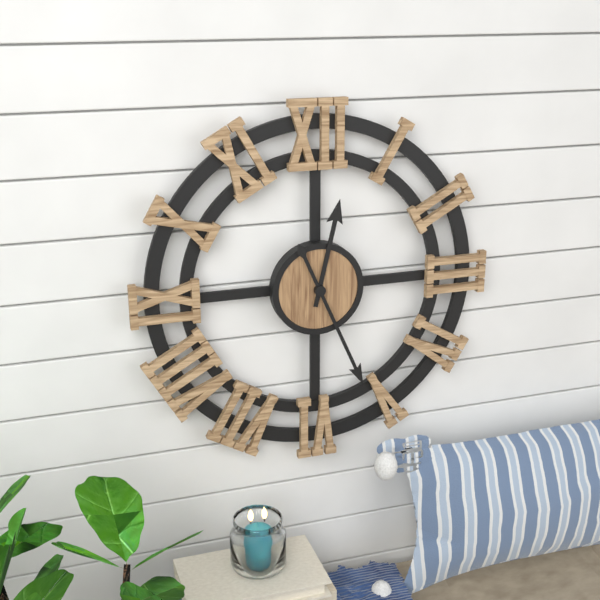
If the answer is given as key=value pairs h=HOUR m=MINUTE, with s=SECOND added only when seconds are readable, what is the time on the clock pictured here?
h=12 m=26
